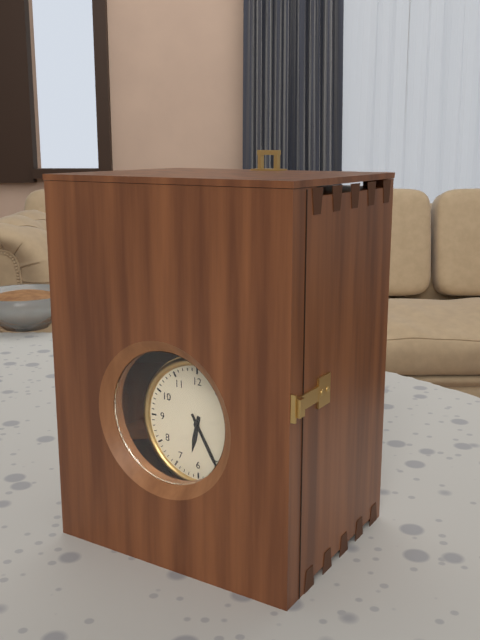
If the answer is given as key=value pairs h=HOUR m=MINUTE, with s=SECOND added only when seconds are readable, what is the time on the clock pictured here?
h=6 m=25
